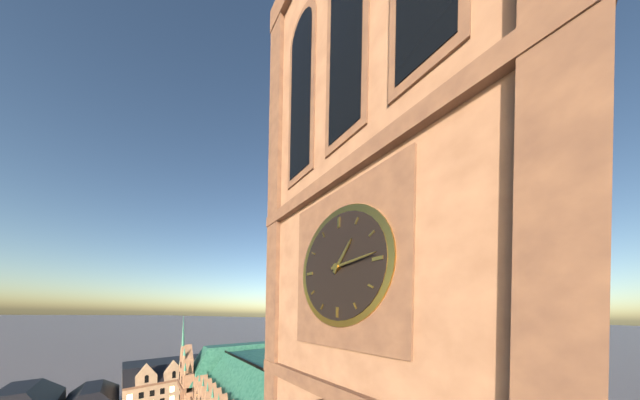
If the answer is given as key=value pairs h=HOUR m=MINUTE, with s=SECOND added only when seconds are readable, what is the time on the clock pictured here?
h=1 m=14
